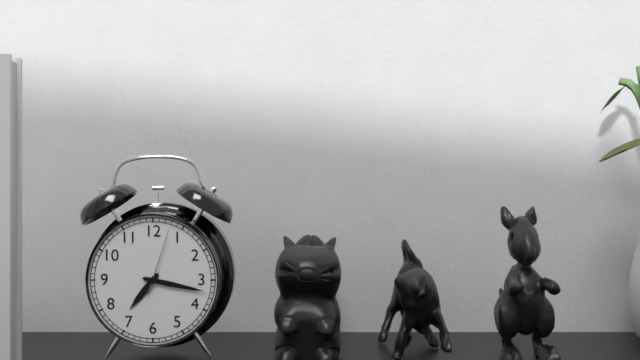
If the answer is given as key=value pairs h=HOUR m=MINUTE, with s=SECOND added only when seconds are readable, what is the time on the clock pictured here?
h=7 m=17 s=3
